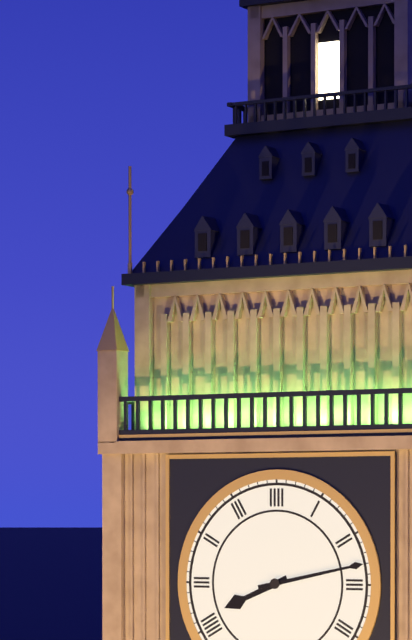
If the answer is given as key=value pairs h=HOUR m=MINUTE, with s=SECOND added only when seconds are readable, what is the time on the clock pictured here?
h=8 m=13
